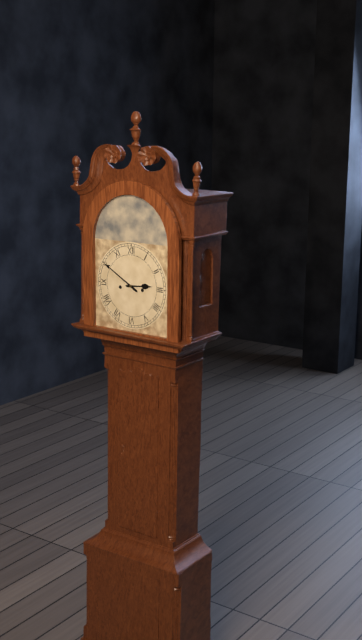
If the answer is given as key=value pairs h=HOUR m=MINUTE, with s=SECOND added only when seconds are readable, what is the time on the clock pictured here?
h=2 m=50
